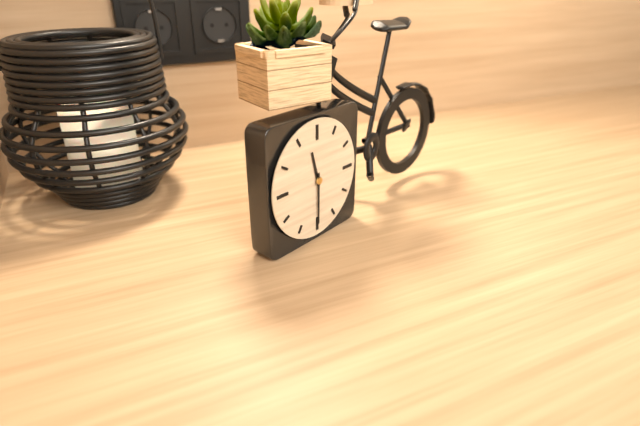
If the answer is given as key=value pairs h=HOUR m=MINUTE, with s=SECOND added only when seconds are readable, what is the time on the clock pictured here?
h=11 m=30
